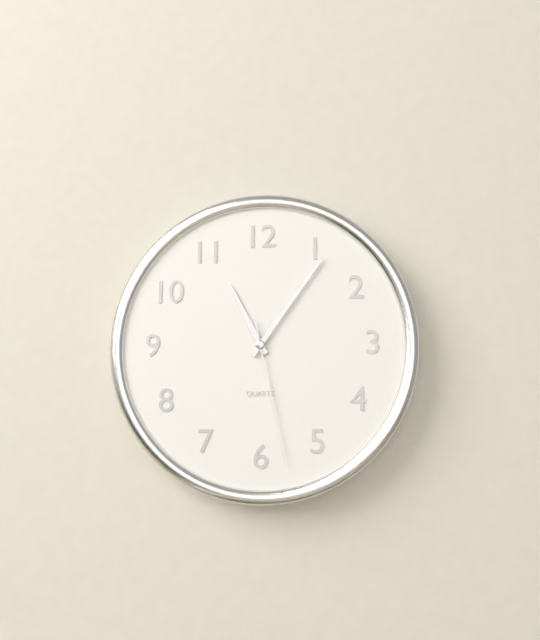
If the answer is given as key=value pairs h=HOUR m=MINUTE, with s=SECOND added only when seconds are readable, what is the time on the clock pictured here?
h=11 m=6 s=28
